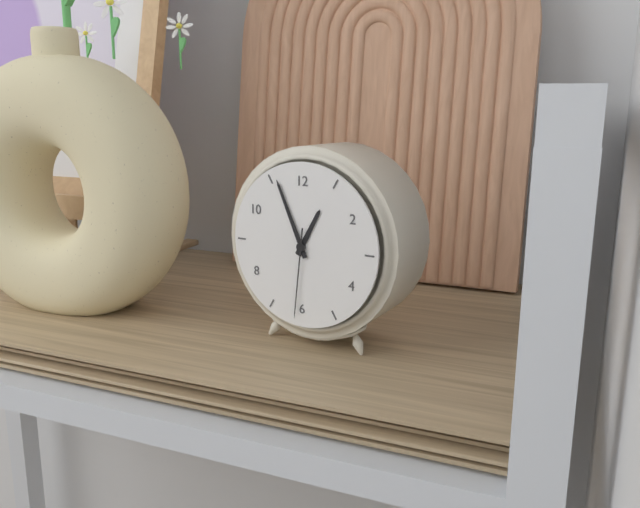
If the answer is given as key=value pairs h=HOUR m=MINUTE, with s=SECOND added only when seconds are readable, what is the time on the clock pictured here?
h=12 m=56 s=31
